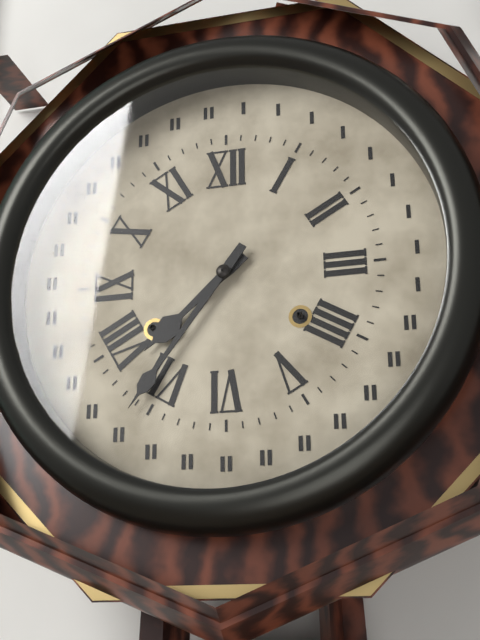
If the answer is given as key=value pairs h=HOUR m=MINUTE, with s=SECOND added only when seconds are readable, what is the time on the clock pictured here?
h=7 m=36
